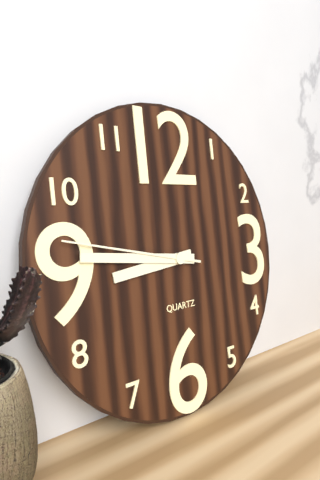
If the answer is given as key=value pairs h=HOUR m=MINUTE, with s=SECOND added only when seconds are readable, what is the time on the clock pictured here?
h=8 m=46 s=47
